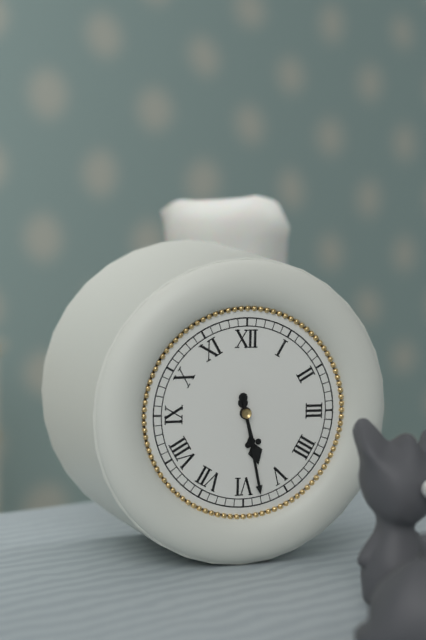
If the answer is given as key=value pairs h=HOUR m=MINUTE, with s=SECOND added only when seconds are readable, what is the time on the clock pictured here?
h=5 m=28
